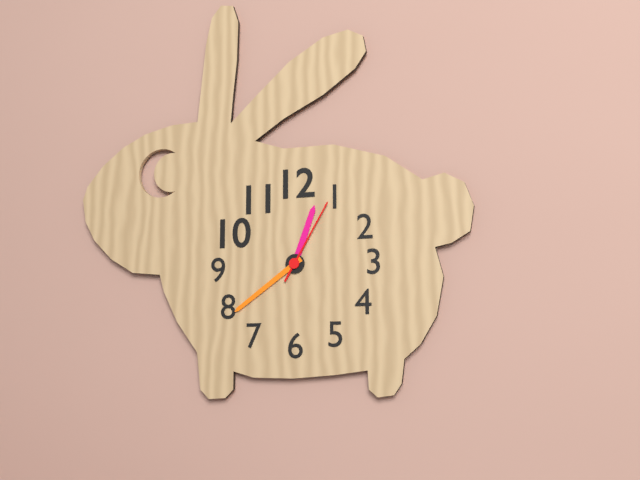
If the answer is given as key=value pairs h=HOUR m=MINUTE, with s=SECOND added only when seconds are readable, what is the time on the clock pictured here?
h=12 m=39 s=5
